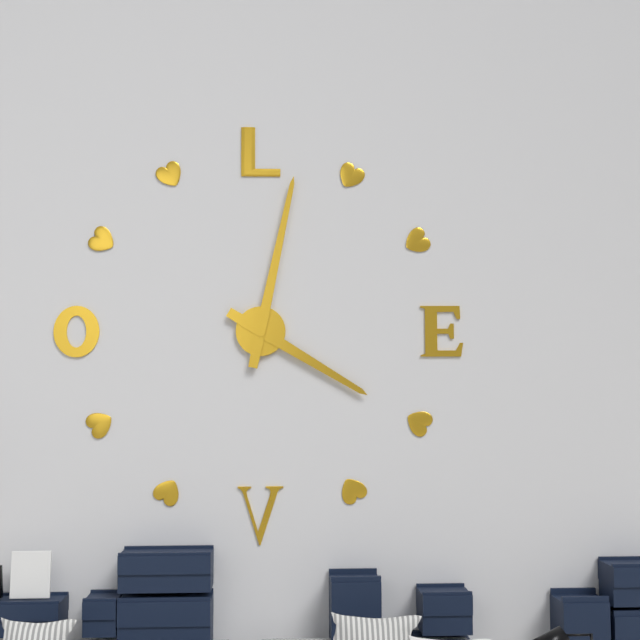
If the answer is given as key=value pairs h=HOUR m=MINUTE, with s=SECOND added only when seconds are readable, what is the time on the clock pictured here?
h=4 m=2
